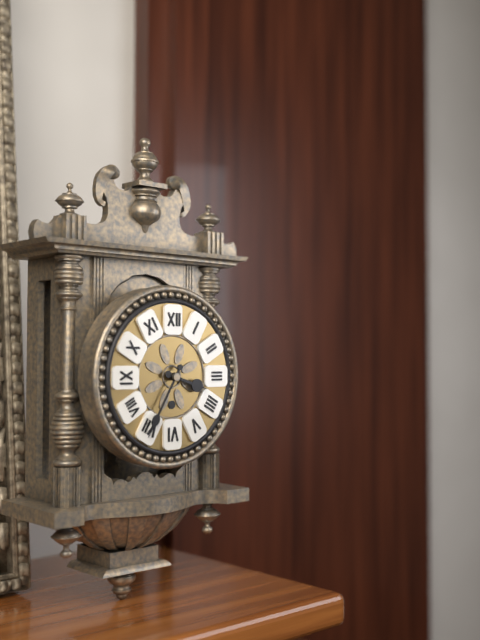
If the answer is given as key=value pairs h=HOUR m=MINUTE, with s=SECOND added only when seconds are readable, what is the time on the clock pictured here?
h=3 m=35
